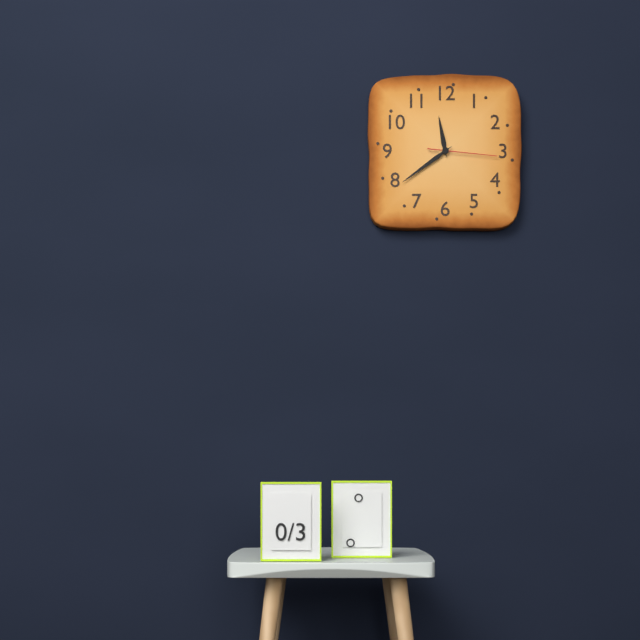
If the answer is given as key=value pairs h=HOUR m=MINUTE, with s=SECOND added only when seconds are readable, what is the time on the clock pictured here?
h=11 m=39 s=16
